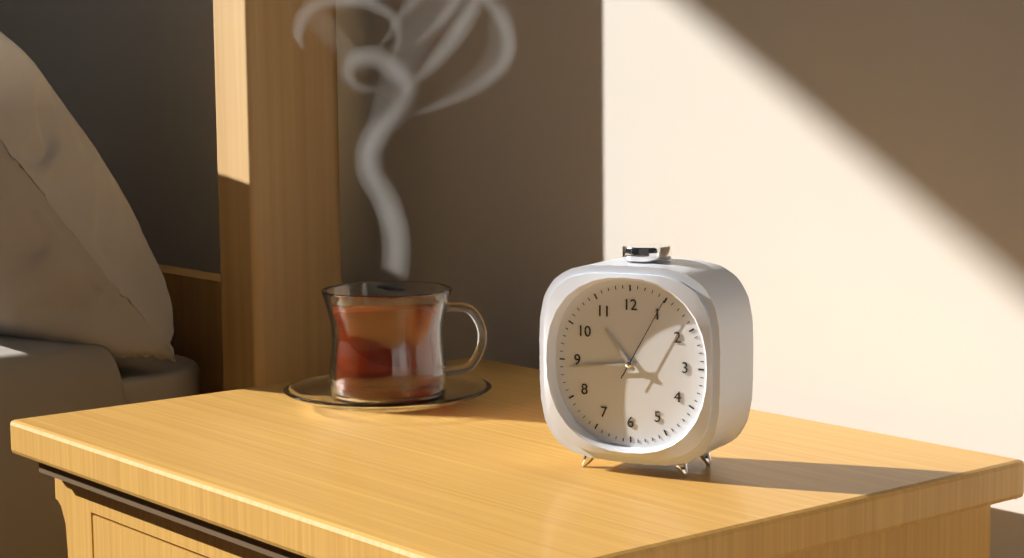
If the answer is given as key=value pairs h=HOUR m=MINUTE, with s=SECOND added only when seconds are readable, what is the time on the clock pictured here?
h=10 m=44 s=5
